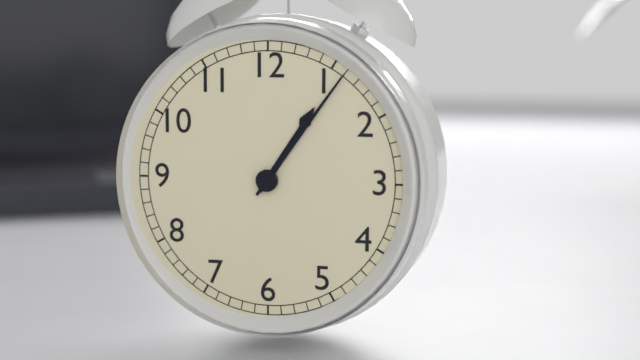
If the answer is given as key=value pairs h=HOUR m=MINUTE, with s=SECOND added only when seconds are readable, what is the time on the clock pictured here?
h=1 m=6
